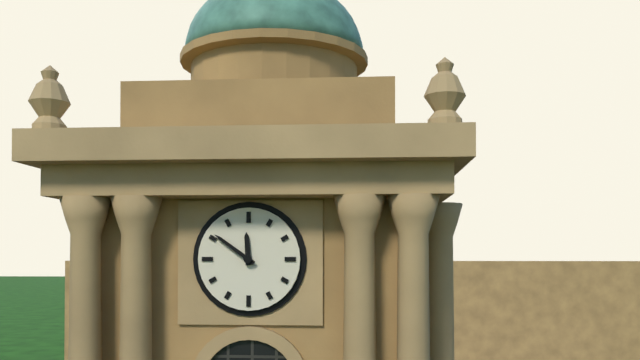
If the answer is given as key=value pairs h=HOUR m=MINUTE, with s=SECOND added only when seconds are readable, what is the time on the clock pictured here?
h=11 m=51
